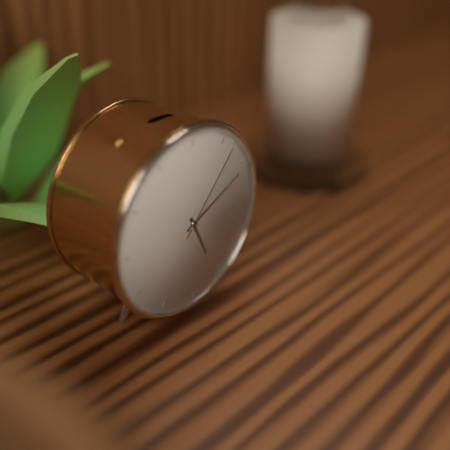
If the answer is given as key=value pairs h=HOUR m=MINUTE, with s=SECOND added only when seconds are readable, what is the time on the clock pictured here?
h=5 m=11 s=7
